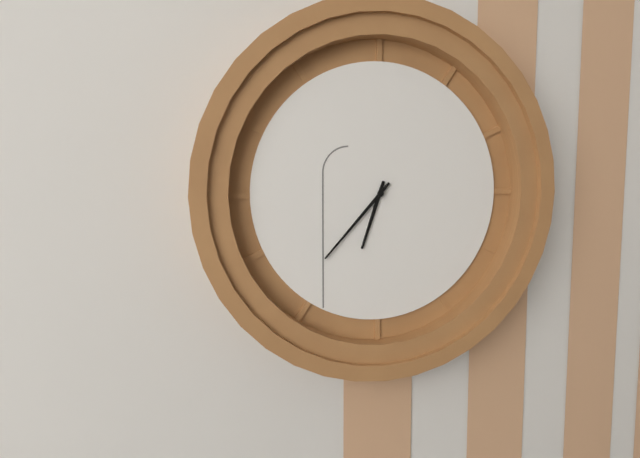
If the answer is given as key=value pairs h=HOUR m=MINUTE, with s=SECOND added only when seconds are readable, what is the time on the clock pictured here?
h=6 m=37
